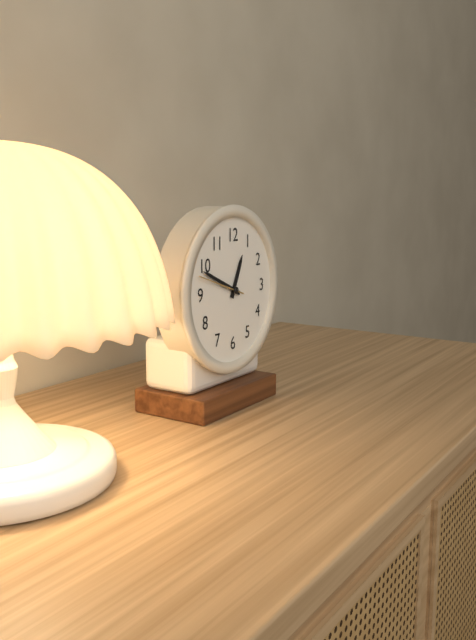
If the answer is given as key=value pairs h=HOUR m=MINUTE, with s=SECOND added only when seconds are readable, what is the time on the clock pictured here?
h=12 m=49
